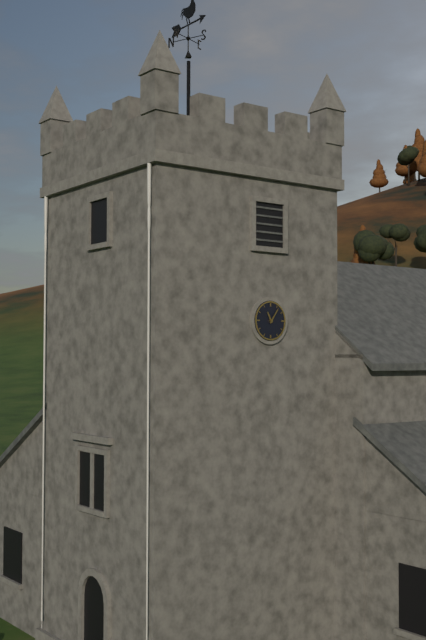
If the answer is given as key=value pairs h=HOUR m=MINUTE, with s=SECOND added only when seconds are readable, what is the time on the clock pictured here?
h=11 m=6
